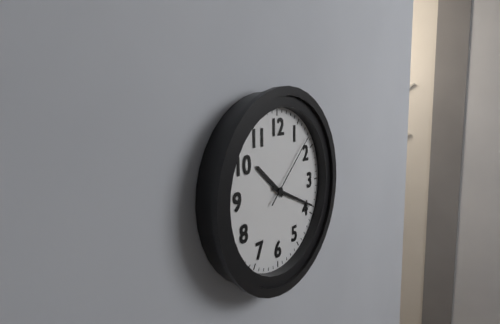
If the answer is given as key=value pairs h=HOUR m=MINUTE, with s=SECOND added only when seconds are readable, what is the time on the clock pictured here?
h=10 m=19 s=8
